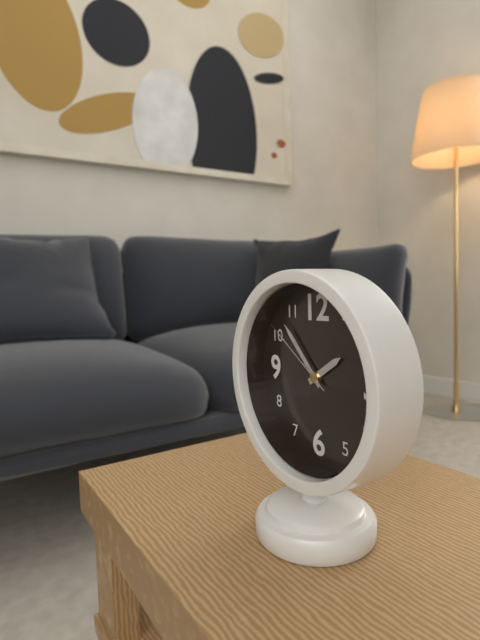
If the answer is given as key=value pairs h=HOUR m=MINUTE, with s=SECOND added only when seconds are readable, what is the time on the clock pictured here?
h=1 m=53 s=51
